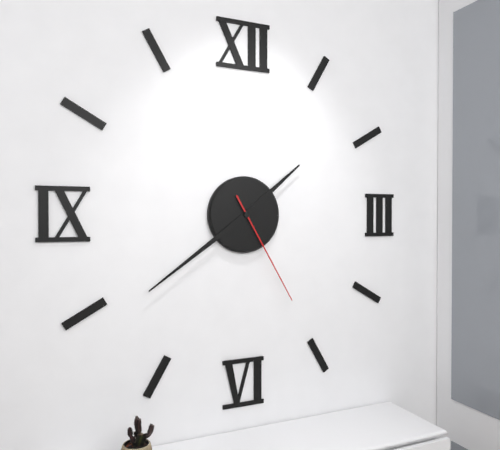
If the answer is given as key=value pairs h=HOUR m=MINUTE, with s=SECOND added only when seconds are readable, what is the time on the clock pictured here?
h=1 m=39 s=25
